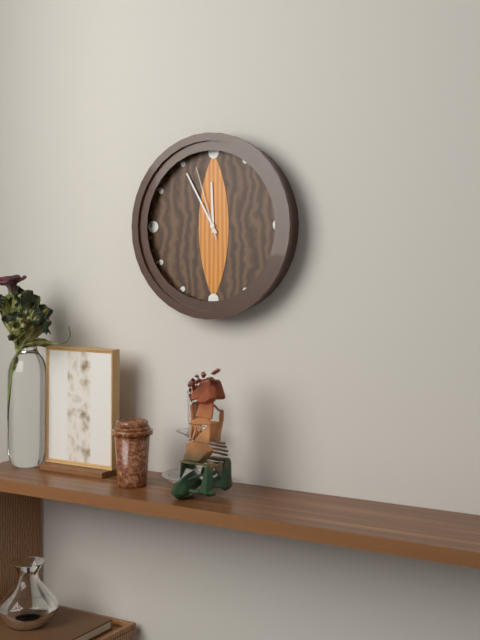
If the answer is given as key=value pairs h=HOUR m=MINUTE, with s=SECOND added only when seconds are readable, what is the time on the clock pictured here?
h=11 m=55 s=57
